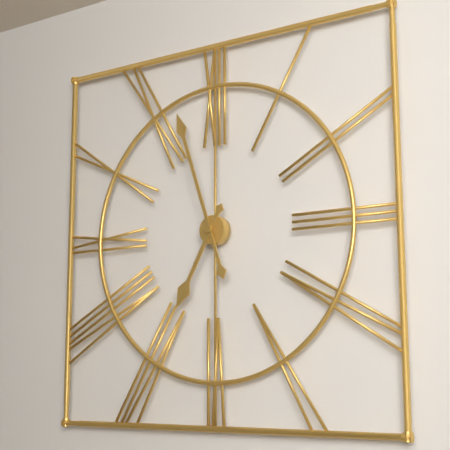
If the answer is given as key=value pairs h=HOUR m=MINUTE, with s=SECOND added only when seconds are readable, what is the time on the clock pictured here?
h=6 m=57
